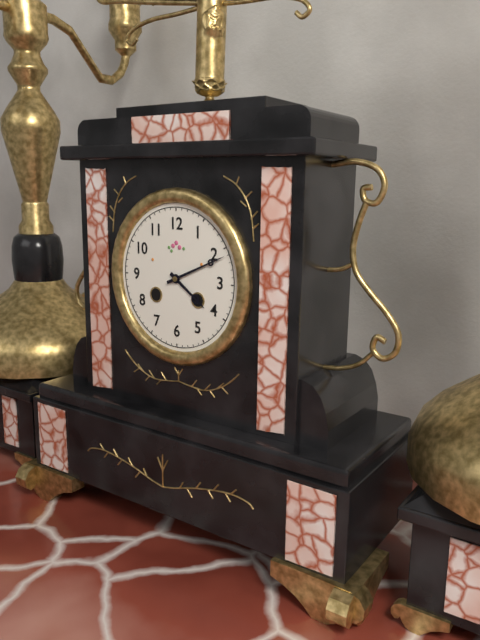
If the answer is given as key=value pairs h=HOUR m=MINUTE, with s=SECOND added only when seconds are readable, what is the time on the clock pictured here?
h=4 m=11
